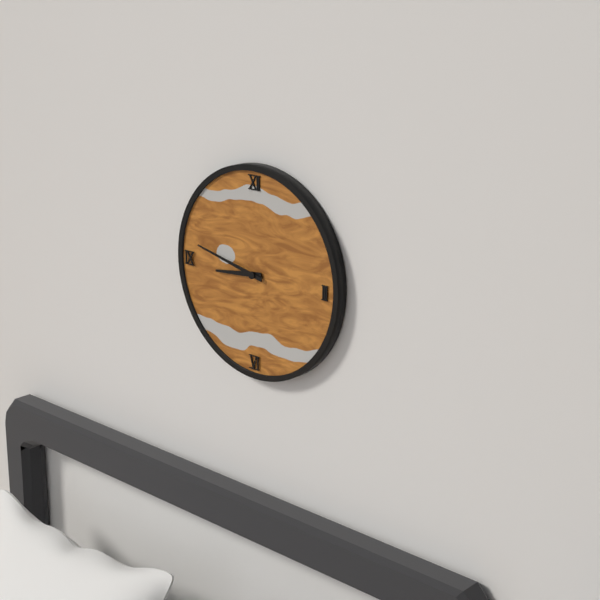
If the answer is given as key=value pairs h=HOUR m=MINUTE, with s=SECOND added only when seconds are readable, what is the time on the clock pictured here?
h=8 m=47
